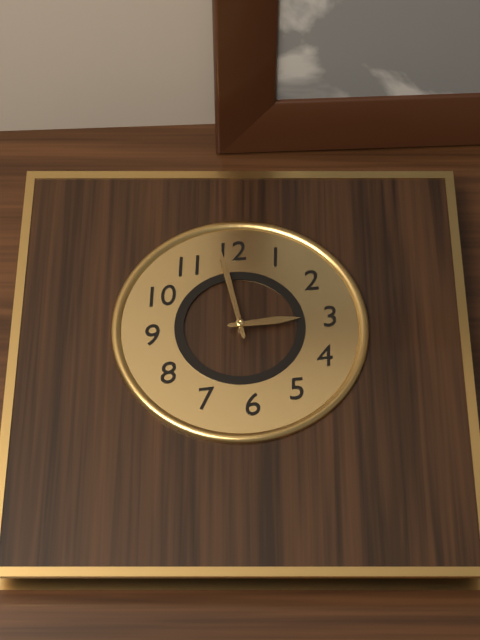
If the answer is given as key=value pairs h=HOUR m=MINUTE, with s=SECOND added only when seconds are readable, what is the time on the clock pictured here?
h=2 m=59
